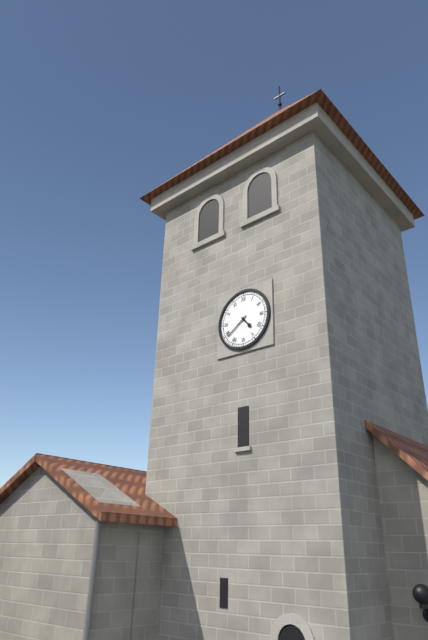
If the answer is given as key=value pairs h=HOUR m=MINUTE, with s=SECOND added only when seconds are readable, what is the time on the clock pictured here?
h=4 m=39
